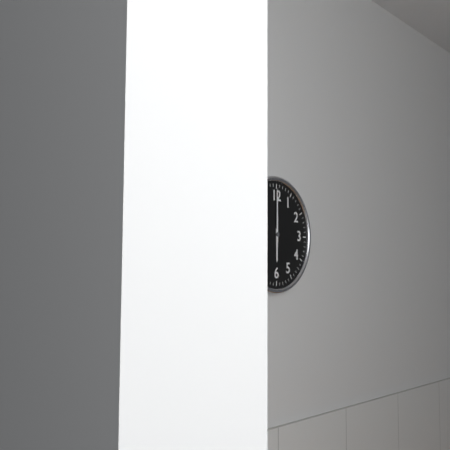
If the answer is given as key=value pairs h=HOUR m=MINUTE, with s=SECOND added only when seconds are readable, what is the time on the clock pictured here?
h=6 m=0
